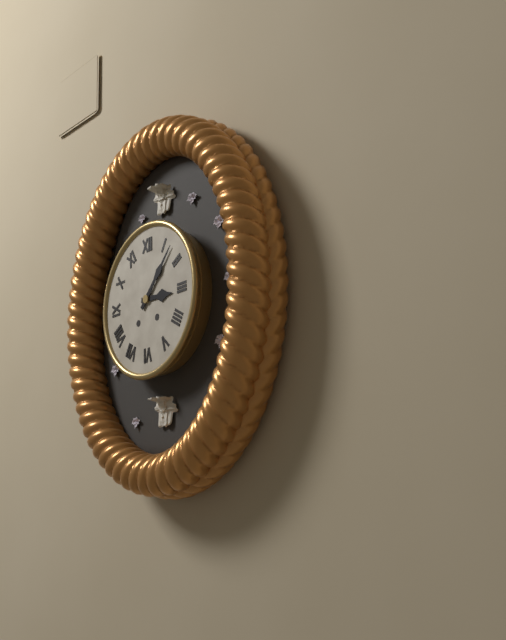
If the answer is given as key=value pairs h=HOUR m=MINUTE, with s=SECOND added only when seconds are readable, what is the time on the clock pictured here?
h=3 m=7
